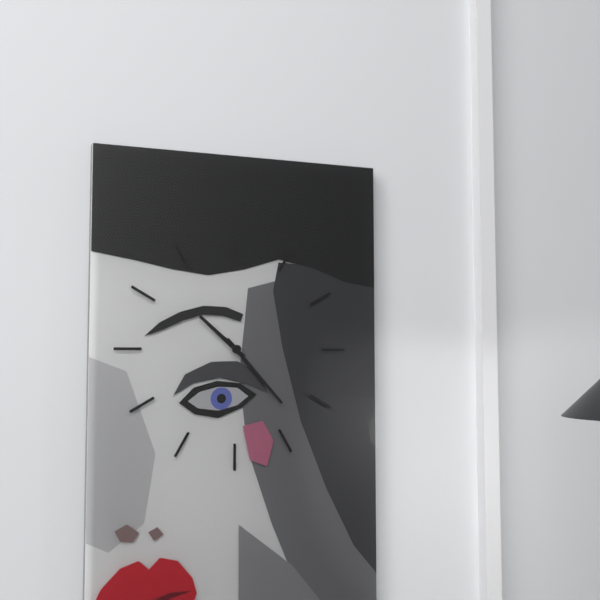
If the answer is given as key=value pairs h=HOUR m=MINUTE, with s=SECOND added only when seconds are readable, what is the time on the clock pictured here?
h=10 m=23
